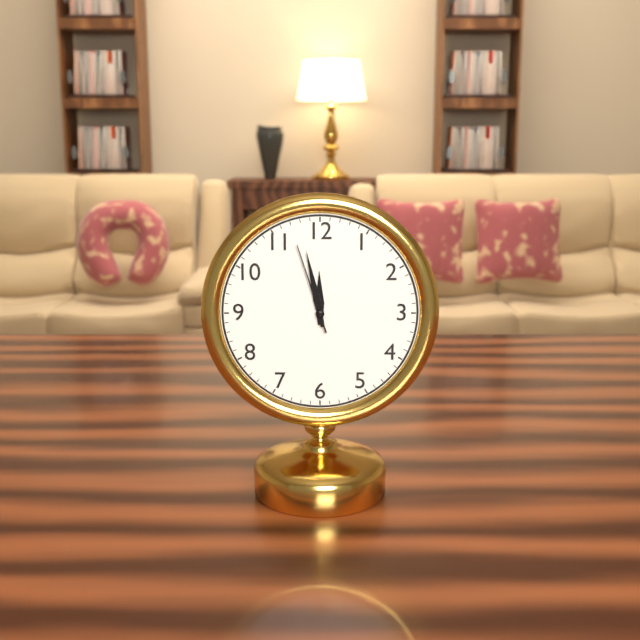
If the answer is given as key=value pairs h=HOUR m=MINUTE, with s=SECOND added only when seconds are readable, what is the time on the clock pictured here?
h=11 m=58 s=57
